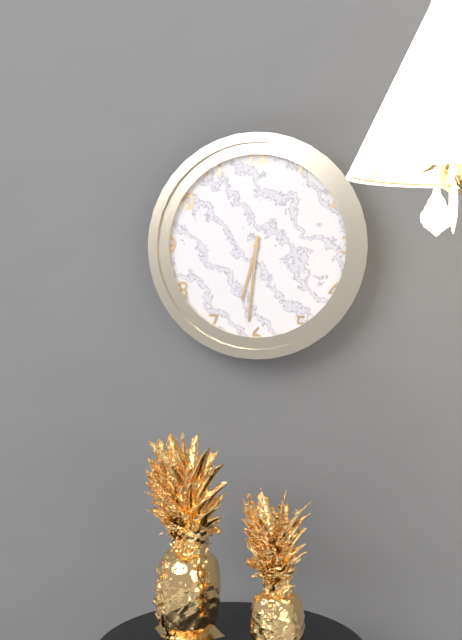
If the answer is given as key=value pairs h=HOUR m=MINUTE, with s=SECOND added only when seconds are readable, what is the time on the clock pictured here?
h=6 m=31
